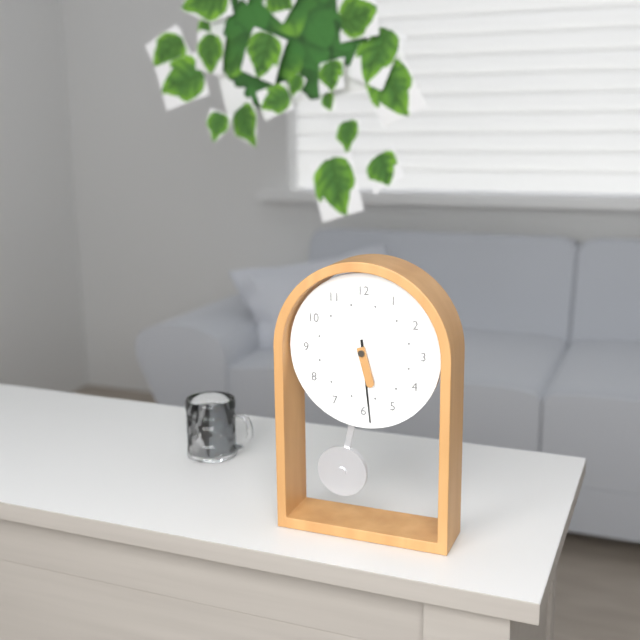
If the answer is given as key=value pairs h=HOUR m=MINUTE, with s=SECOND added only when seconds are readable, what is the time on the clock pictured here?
h=5 m=29
